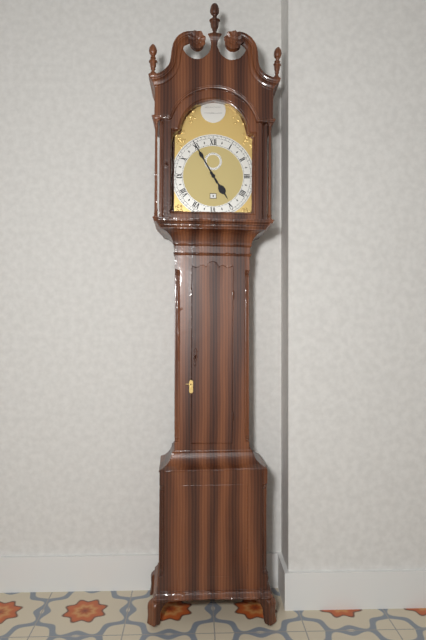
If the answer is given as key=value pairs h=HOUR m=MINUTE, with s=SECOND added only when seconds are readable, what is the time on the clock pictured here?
h=4 m=55
